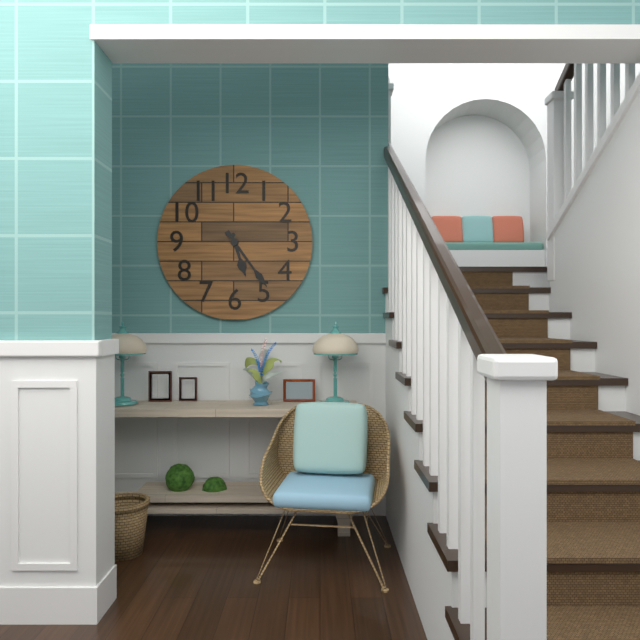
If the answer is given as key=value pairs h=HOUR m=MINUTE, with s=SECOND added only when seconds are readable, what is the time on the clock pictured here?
h=5 m=24
